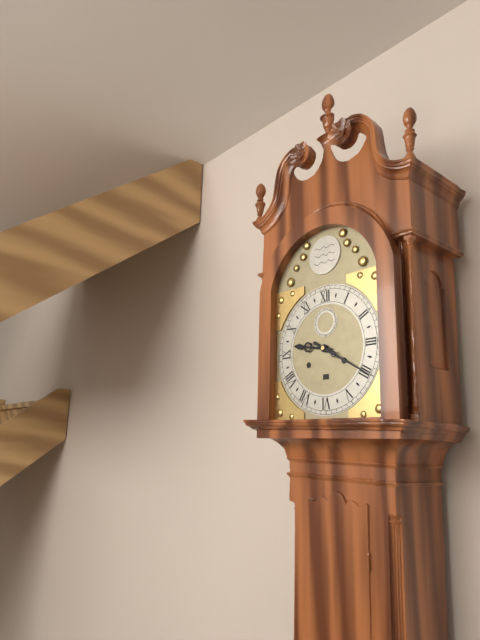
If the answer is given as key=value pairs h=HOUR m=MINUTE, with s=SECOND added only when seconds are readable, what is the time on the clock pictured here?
h=9 m=20
